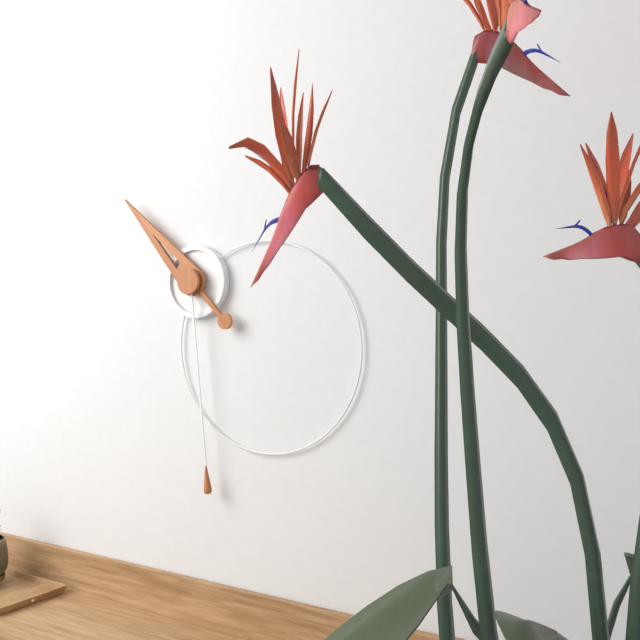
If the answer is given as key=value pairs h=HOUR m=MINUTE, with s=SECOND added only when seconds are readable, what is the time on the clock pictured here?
h=10 m=29
